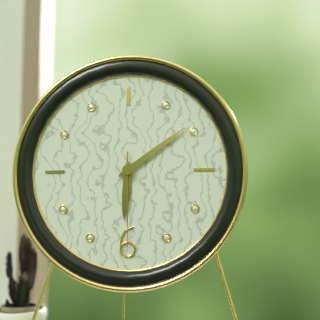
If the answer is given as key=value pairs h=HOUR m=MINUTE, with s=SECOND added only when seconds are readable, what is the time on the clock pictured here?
h=6 m=9 s=30
